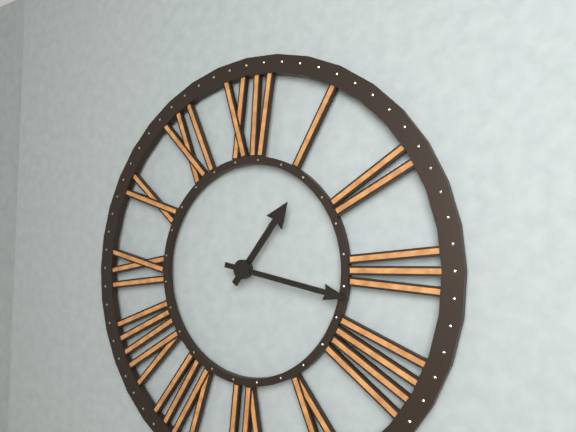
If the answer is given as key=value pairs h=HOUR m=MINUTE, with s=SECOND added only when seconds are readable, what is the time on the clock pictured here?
h=1 m=17
